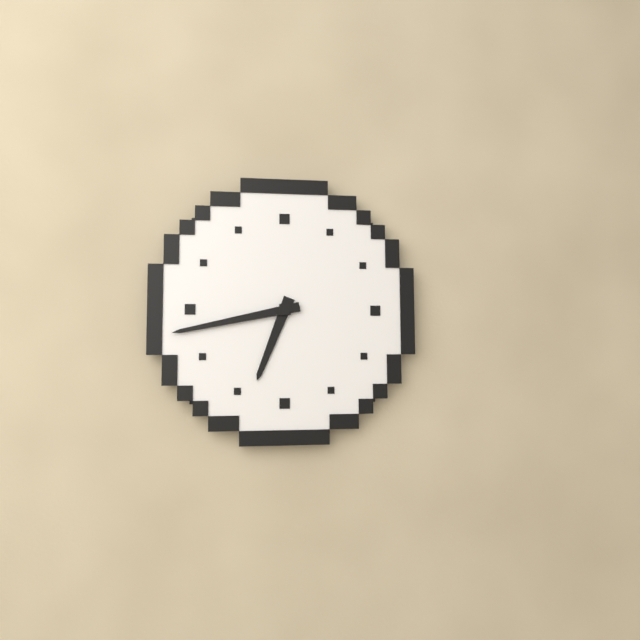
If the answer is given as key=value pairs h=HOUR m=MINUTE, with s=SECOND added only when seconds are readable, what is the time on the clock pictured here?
h=6 m=43
